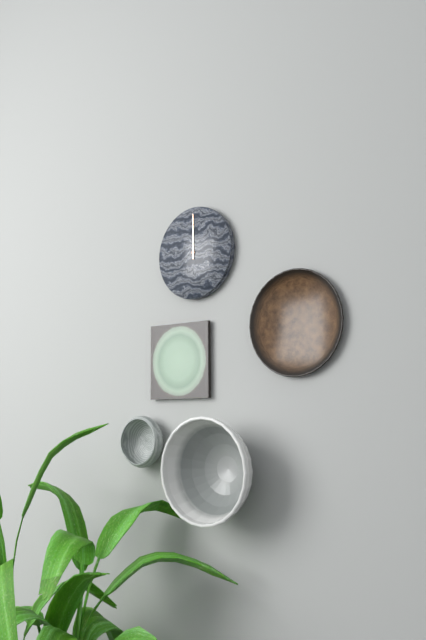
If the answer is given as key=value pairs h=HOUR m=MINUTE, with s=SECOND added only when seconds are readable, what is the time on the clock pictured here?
h=12 m=0
